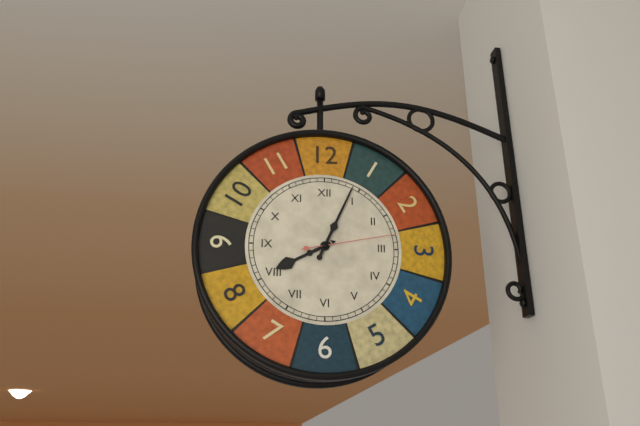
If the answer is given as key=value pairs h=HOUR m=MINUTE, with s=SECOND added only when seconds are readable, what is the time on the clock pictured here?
h=8 m=4 s=13
